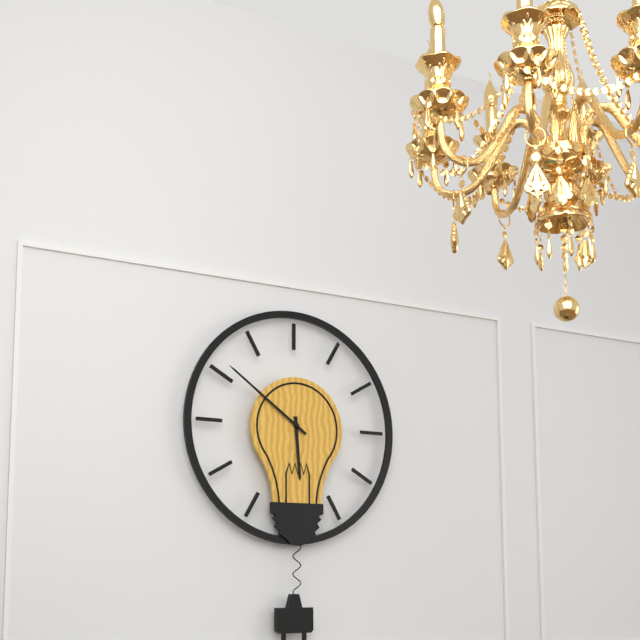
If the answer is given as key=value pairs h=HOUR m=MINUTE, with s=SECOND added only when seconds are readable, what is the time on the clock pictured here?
h=5 m=51
